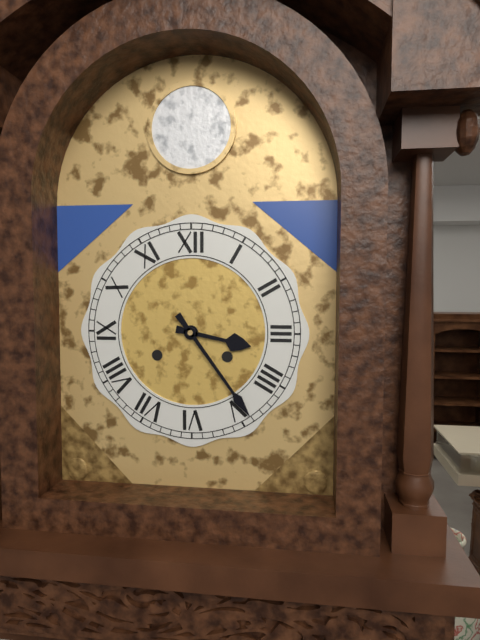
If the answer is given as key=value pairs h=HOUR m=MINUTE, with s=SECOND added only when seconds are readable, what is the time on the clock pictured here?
h=3 m=24
